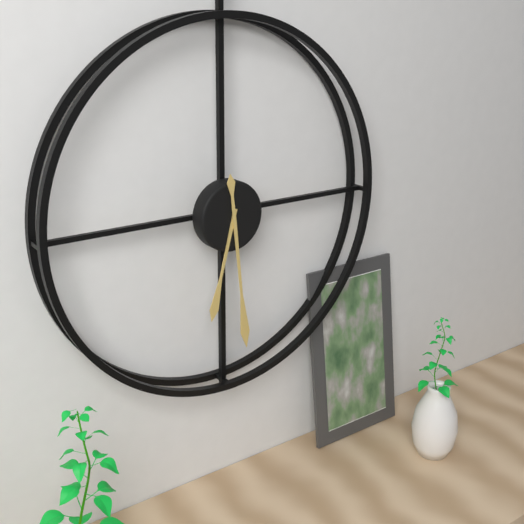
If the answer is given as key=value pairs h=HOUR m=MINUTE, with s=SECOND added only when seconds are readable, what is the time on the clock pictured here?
h=6 m=29
